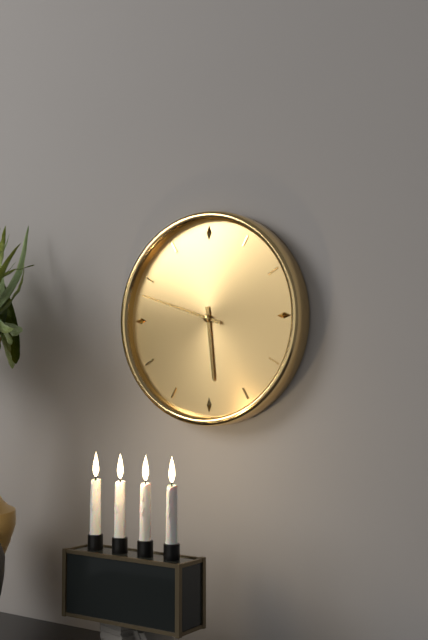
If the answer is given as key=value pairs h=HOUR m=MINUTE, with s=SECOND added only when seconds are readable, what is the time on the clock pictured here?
h=5 m=48
